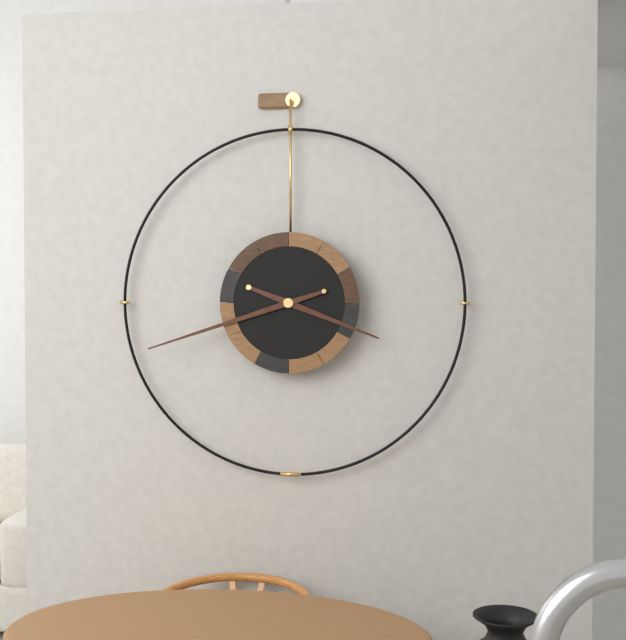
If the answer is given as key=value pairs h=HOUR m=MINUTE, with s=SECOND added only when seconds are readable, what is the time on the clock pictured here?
h=3 m=42
